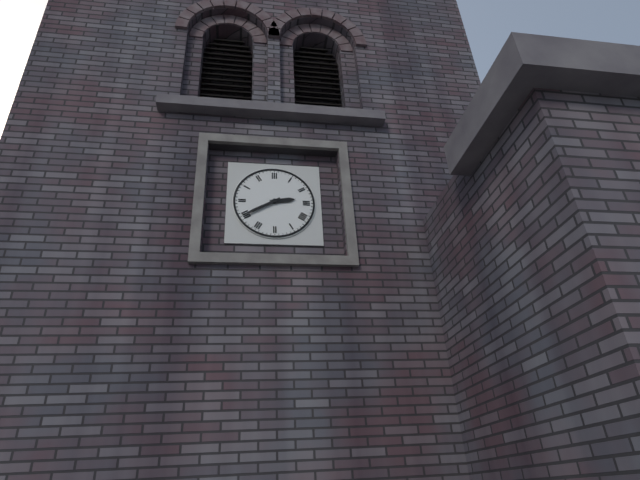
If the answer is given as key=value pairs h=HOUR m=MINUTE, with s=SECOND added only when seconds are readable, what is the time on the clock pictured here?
h=2 m=40
